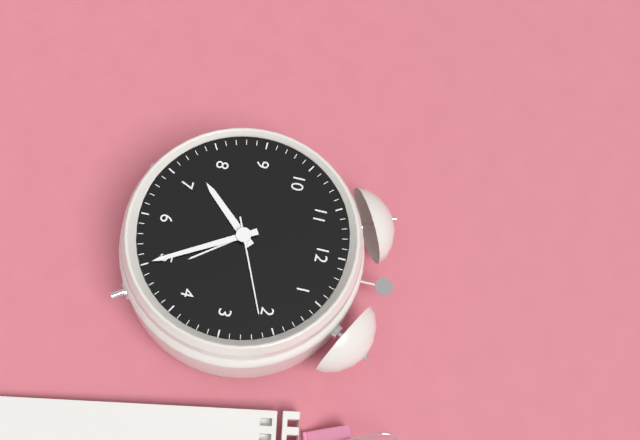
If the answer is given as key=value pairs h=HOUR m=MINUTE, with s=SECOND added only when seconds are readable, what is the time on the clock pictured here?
h=7 m=25 s=11
